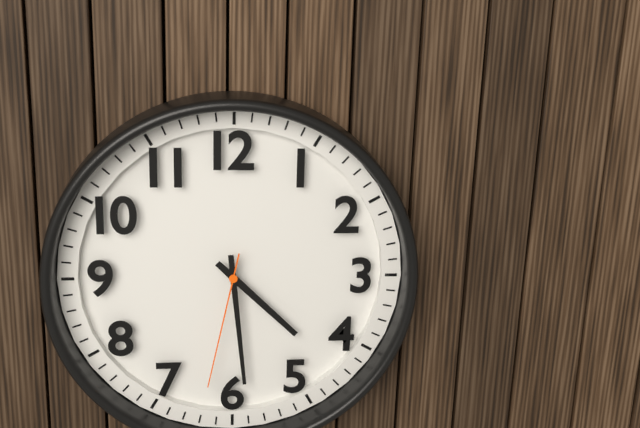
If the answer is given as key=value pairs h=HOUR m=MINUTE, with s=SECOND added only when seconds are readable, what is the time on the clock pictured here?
h=4 m=29 s=32
